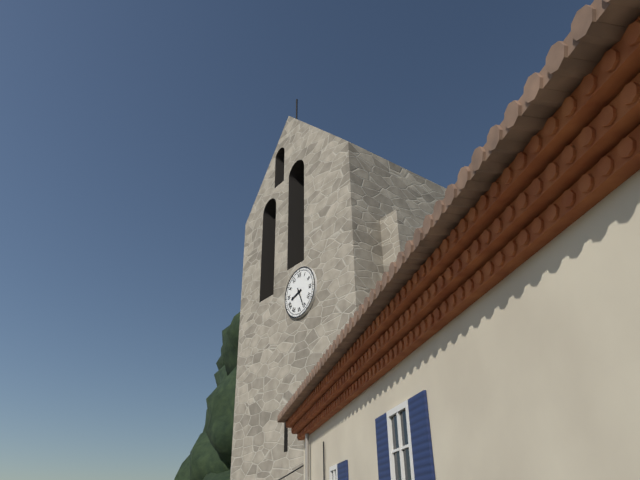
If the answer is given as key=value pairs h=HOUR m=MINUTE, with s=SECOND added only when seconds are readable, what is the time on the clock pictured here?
h=8 m=26
